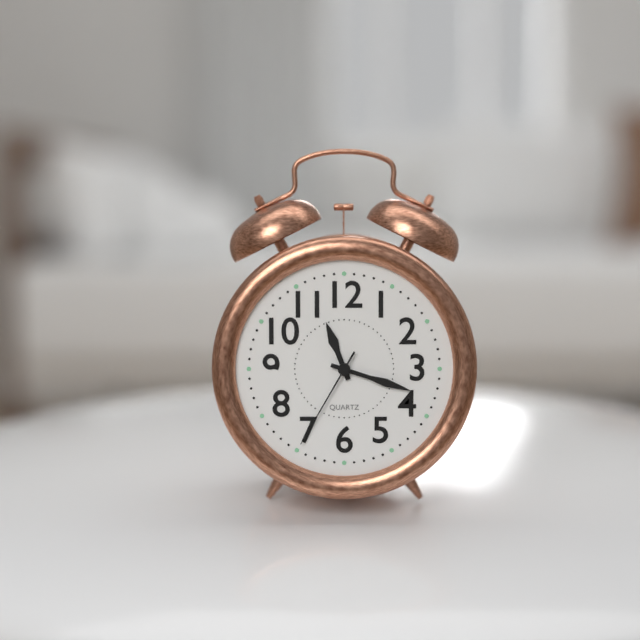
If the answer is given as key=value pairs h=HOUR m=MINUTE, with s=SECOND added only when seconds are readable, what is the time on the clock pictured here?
h=11 m=18 s=35
